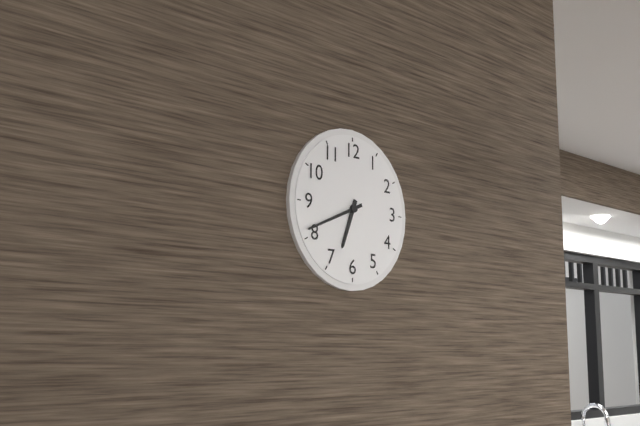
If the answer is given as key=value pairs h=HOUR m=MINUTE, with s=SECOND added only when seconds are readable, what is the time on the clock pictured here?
h=6 m=41
